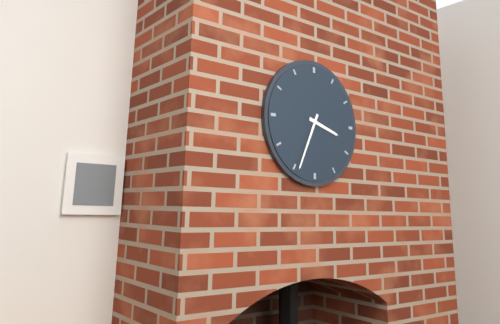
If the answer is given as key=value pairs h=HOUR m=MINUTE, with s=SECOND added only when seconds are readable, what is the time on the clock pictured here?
h=3 m=34
